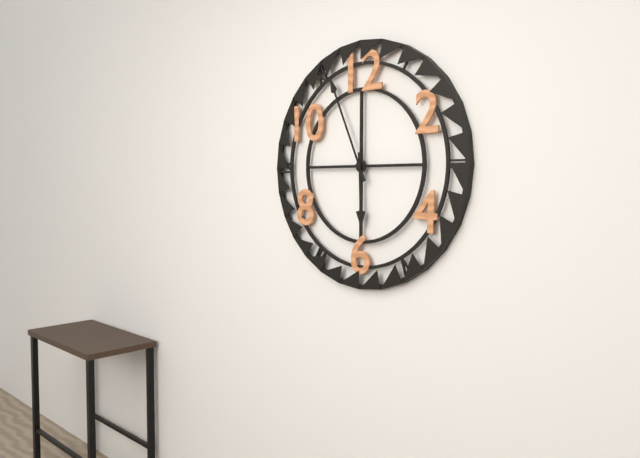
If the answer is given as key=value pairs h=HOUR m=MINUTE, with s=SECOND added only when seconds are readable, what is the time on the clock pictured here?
h=5 m=56
